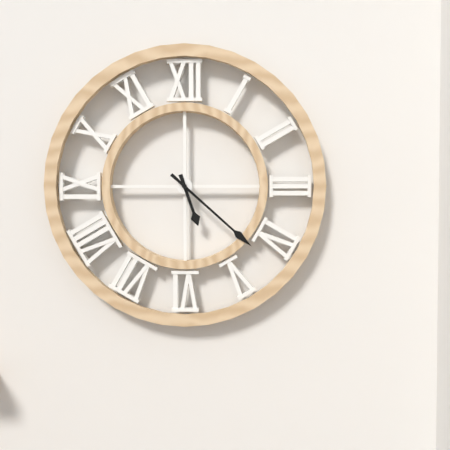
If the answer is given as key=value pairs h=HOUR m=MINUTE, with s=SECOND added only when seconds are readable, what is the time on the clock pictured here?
h=5 m=22
